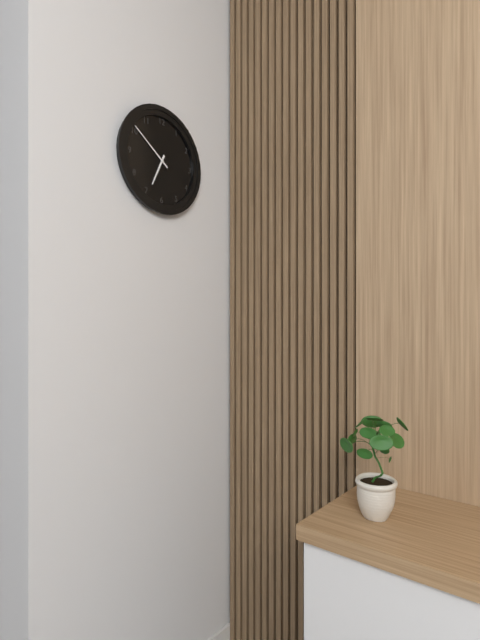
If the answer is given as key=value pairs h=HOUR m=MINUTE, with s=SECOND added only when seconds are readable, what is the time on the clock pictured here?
h=6 m=51
